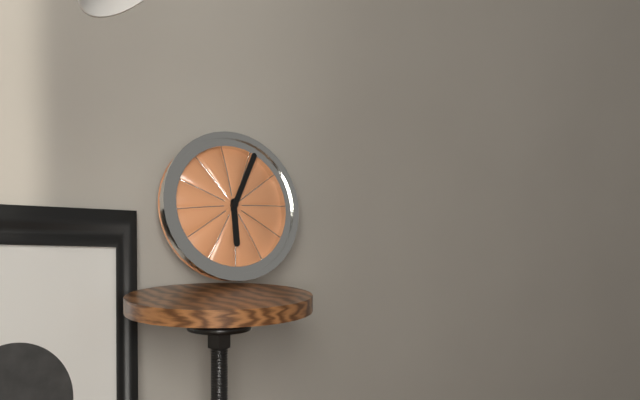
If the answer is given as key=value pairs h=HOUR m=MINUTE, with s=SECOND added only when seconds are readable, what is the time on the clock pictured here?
h=6 m=5
